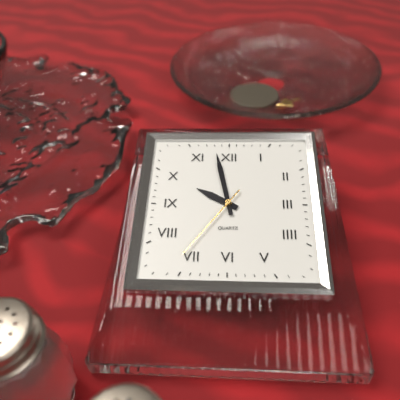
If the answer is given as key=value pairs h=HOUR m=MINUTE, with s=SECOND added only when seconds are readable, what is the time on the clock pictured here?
h=9 m=58 s=36
